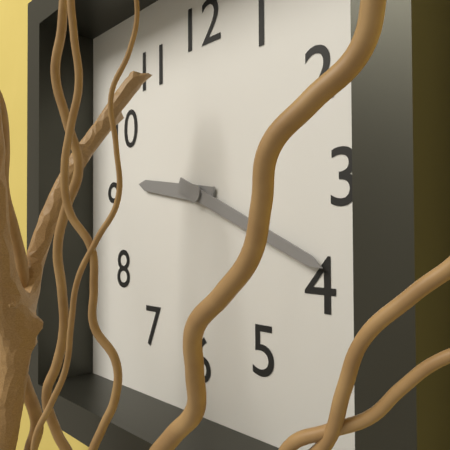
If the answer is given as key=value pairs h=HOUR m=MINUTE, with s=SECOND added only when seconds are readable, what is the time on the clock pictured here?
h=9 m=19
